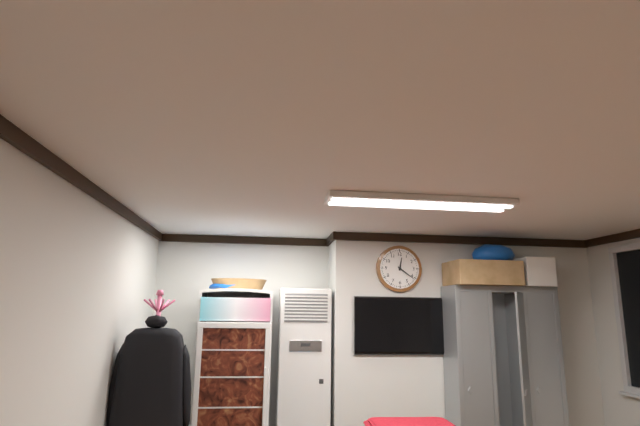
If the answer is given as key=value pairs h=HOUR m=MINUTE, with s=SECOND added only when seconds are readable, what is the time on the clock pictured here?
h=12 m=21
